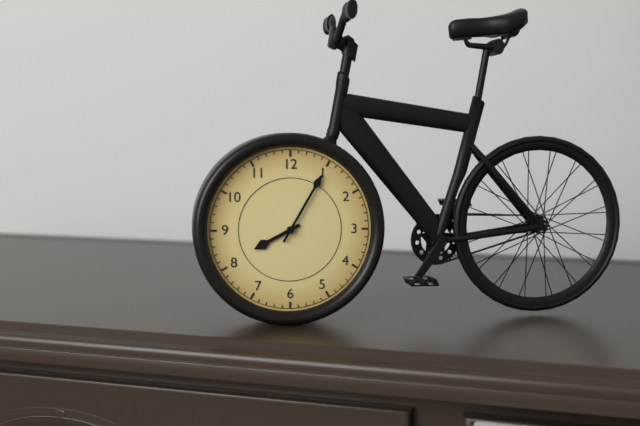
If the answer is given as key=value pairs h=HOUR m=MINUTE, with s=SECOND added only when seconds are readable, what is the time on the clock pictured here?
h=8 m=5
